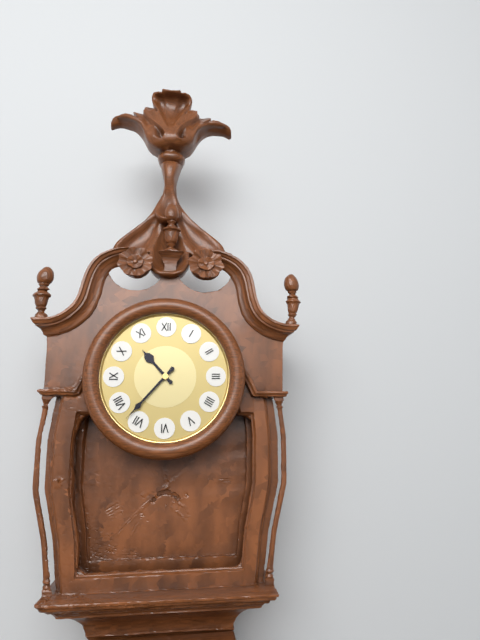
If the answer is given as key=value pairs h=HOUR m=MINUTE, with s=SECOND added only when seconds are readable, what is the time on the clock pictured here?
h=10 m=37
